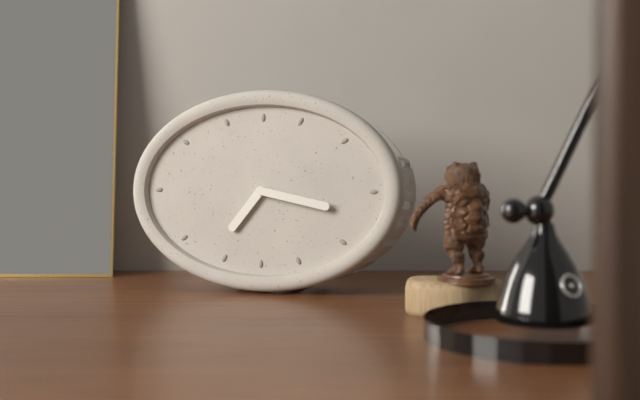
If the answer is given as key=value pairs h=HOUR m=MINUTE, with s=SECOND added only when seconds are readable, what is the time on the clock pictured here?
h=7 m=17
